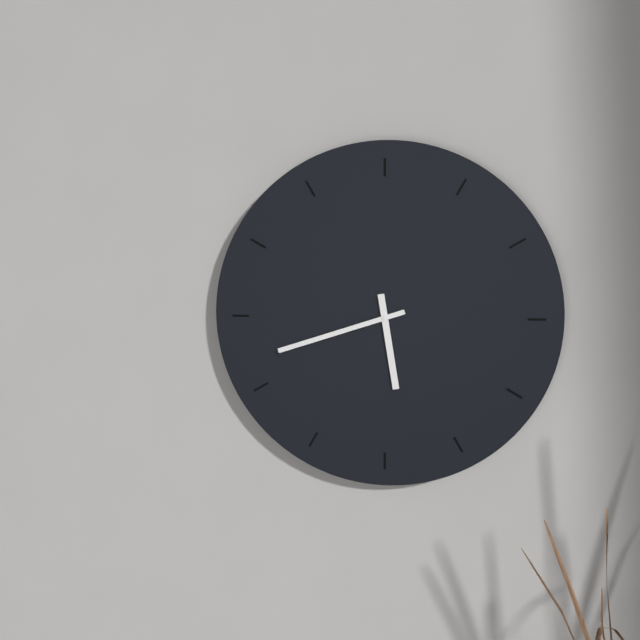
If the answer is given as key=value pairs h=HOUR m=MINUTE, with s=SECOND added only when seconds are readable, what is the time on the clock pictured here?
h=5 m=42
